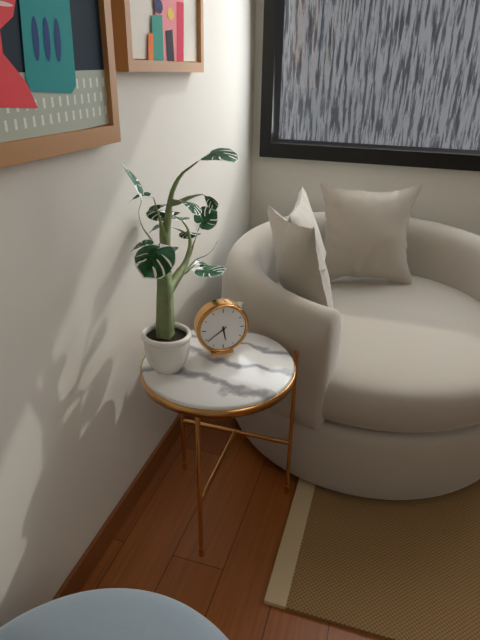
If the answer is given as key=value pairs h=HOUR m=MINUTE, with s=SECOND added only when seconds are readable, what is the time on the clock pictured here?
h=5 m=39
